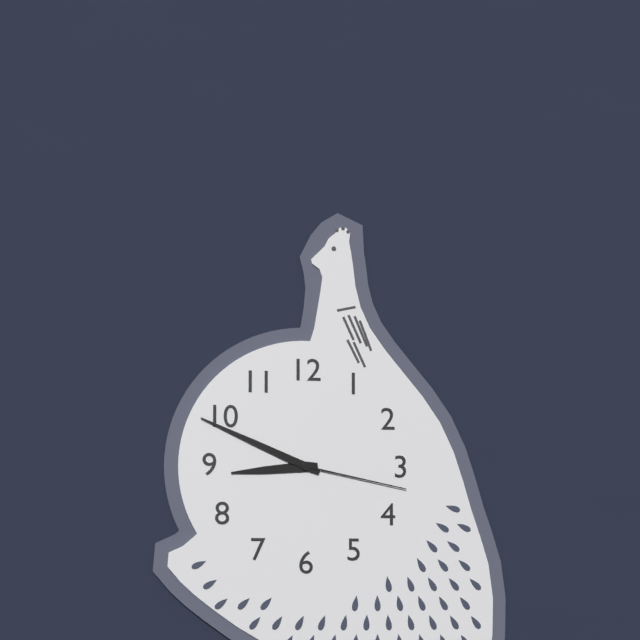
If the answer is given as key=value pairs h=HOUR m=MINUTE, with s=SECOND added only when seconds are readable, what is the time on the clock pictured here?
h=8 m=49 s=17
